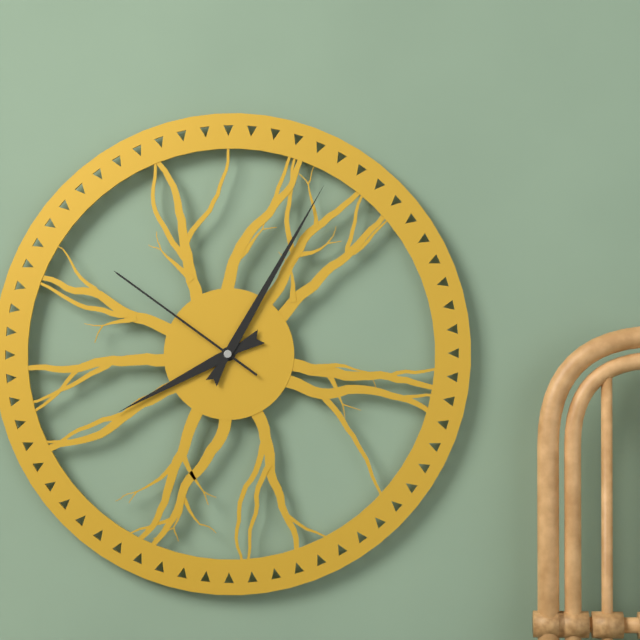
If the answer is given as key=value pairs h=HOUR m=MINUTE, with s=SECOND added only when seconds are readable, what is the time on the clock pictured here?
h=8 m=5 s=51
